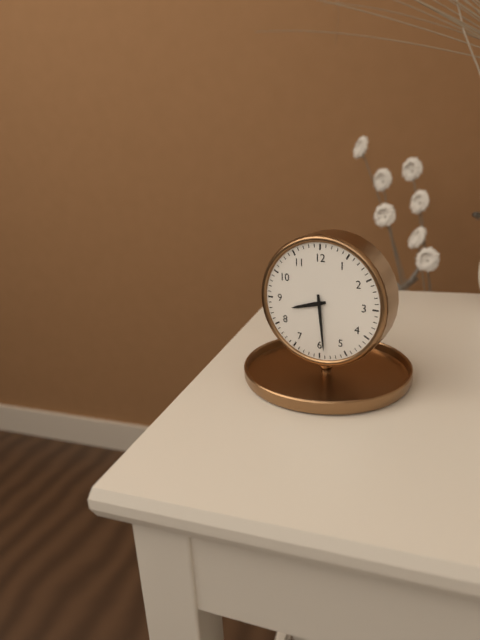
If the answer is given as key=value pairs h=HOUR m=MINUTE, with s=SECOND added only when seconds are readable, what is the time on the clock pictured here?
h=8 m=29
